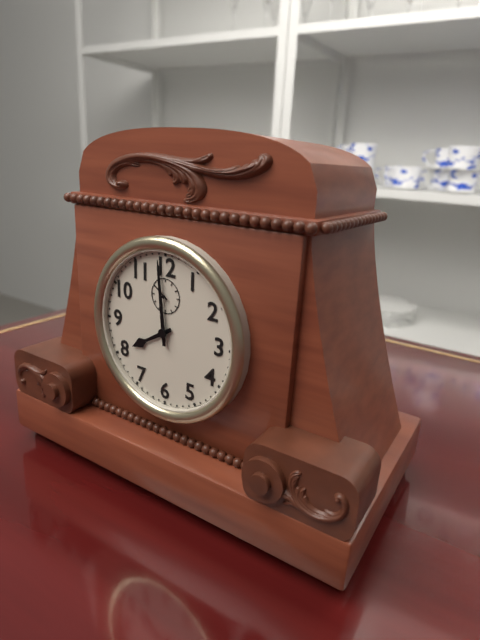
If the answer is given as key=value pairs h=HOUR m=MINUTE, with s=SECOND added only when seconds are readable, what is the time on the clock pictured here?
h=7 m=59
